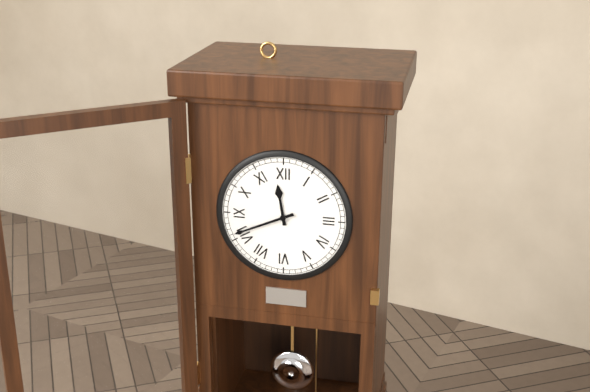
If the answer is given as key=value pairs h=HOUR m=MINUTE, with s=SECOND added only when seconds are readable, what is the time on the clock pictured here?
h=11 m=41
